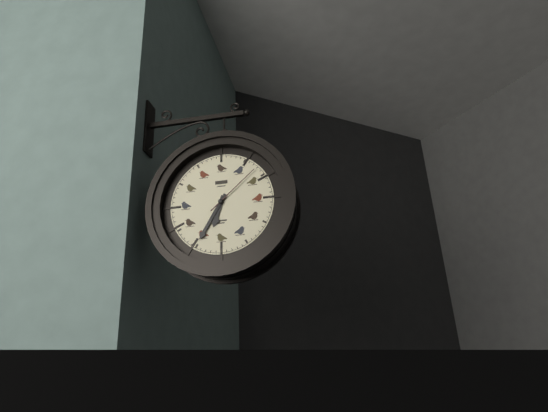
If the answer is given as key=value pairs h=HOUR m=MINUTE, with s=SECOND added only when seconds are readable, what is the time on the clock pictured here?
h=6 m=35 s=8
